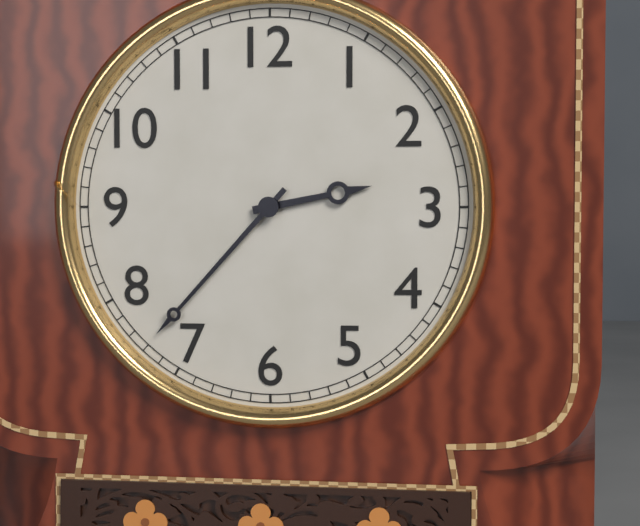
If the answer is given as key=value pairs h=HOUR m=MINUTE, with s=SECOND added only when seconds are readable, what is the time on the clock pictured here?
h=2 m=37
